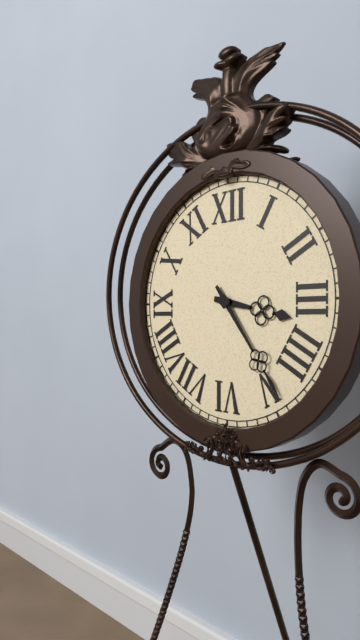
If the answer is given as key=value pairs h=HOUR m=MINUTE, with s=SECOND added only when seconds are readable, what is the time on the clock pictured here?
h=3 m=24
